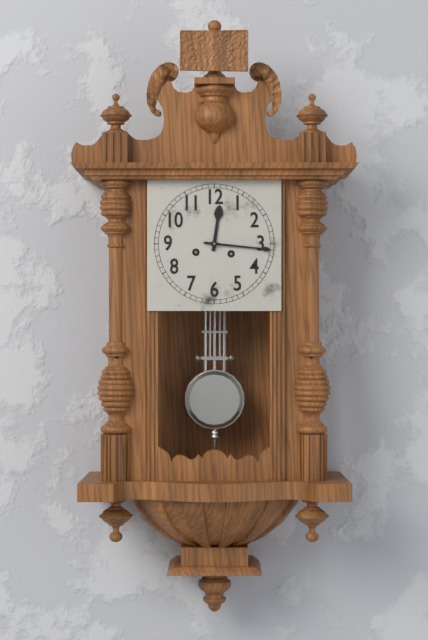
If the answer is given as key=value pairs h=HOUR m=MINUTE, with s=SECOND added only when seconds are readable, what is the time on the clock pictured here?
h=12 m=16
